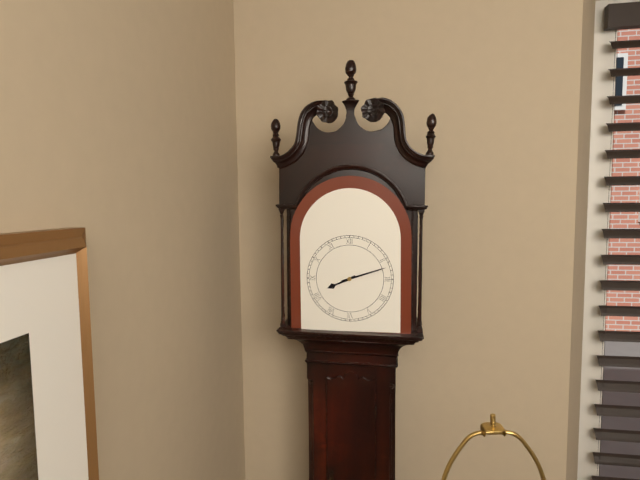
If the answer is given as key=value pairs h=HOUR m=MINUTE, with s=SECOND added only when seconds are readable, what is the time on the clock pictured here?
h=8 m=12
